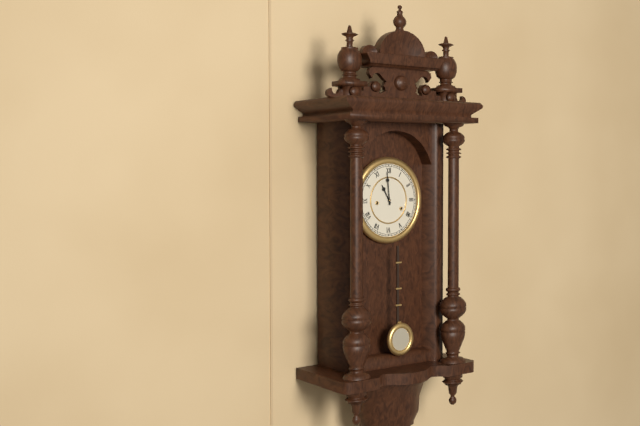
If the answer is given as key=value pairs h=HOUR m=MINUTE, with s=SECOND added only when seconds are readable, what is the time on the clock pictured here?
h=10 m=59
